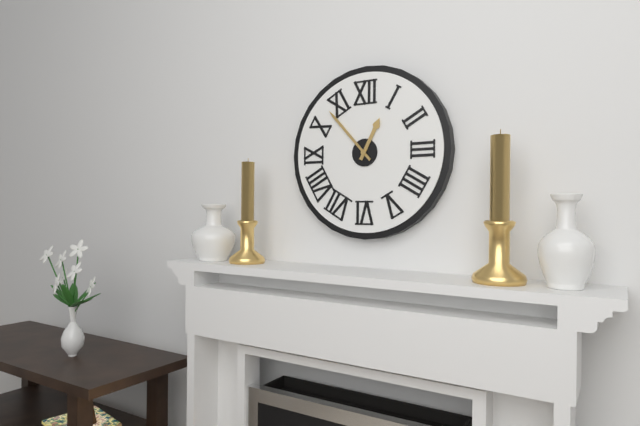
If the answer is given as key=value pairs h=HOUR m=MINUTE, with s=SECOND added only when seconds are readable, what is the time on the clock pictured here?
h=12 m=53
